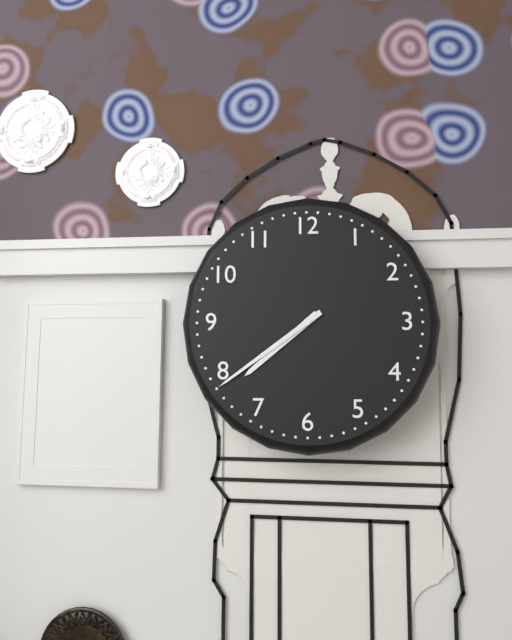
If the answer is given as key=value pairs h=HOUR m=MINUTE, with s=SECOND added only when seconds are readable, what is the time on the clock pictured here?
h=7 m=39
